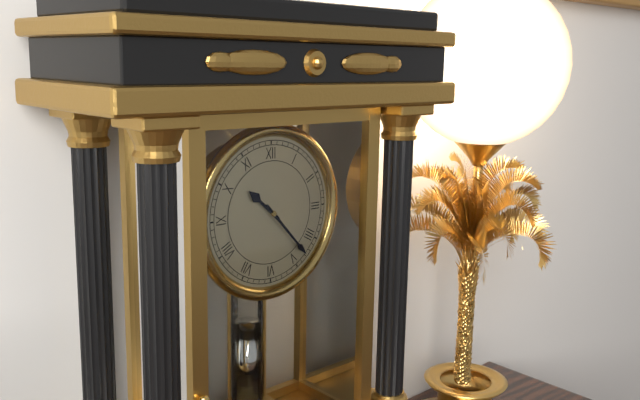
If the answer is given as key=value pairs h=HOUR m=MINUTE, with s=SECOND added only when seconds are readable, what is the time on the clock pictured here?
h=10 m=23
